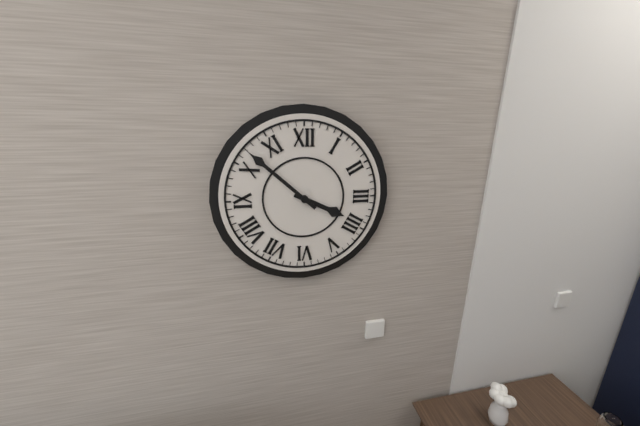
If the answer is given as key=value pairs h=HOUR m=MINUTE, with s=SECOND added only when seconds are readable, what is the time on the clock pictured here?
h=3 m=52
